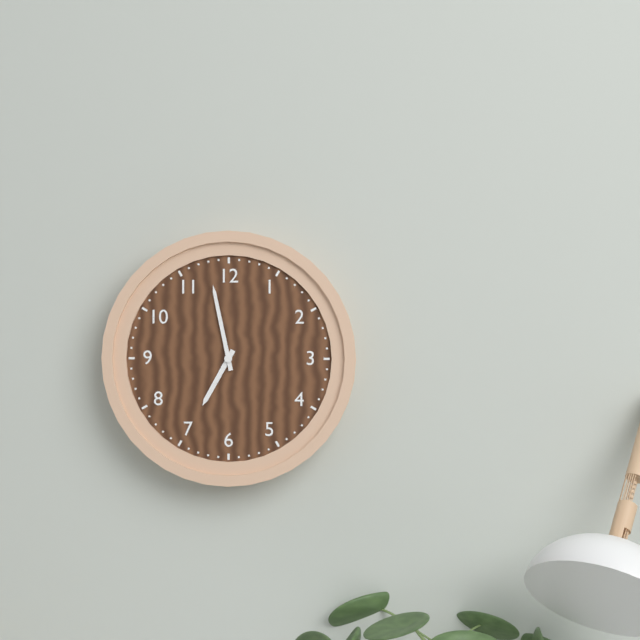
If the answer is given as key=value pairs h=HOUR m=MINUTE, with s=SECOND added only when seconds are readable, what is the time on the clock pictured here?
h=6 m=58
